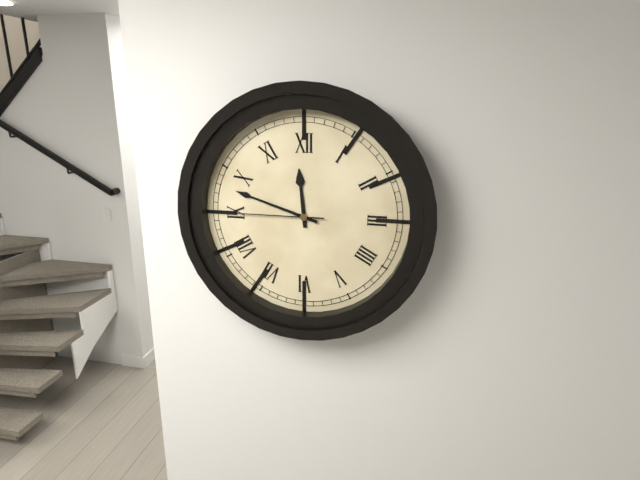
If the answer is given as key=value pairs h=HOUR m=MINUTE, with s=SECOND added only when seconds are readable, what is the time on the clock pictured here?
h=11 m=48 s=45
